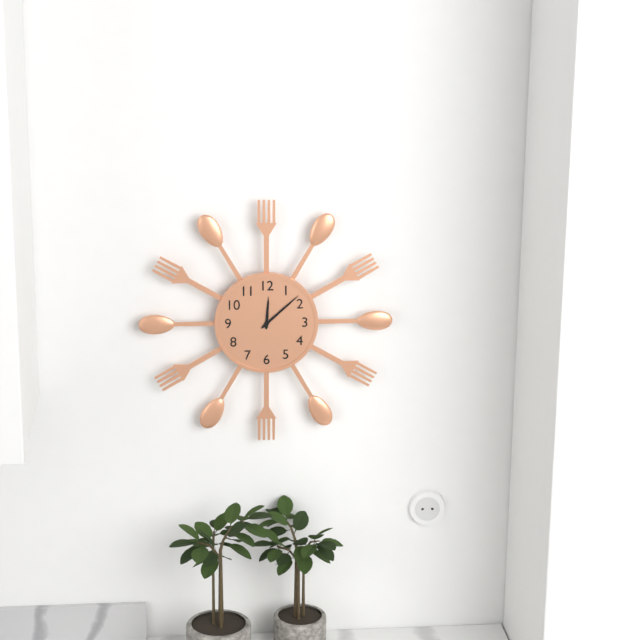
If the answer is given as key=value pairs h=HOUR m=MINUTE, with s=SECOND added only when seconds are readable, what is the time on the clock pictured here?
h=12 m=8
